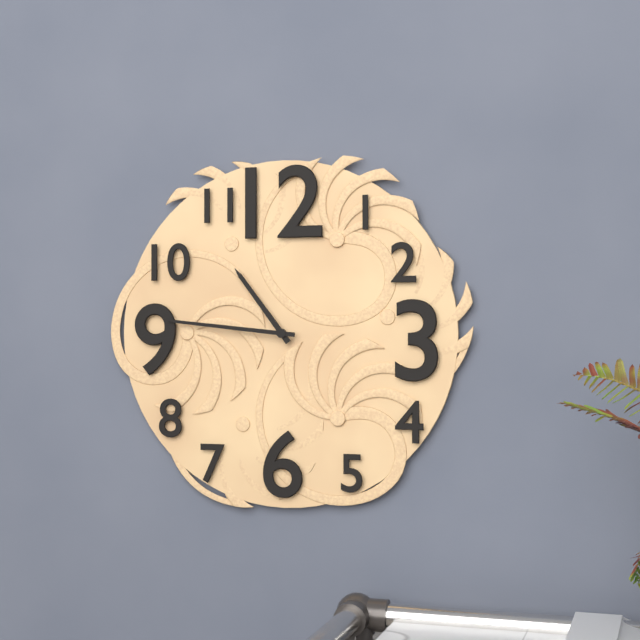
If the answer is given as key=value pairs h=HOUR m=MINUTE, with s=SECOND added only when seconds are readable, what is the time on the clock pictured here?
h=10 m=46
